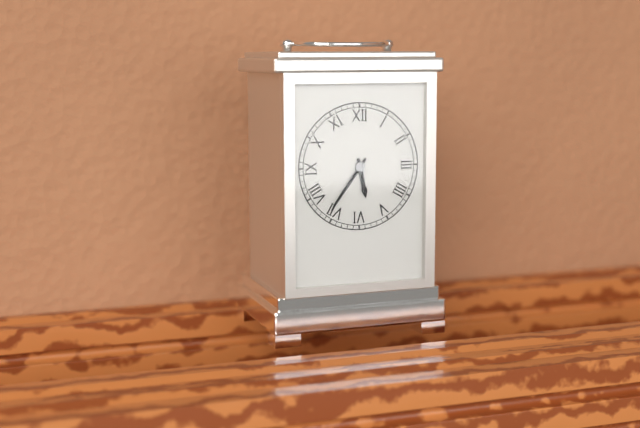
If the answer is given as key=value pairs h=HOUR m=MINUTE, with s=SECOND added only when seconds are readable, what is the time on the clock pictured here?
h=5 m=36
